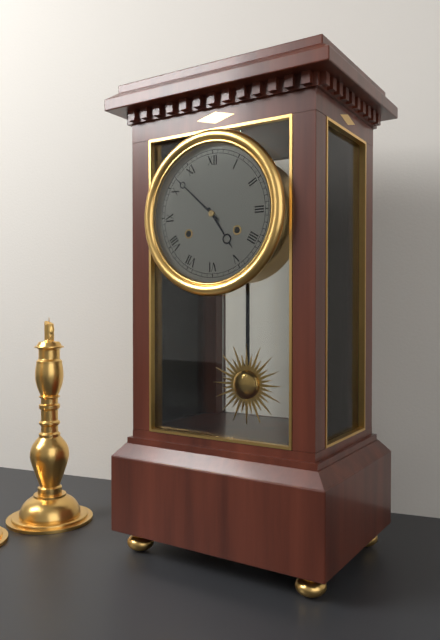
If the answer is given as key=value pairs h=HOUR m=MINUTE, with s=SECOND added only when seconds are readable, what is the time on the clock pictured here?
h=4 m=52
